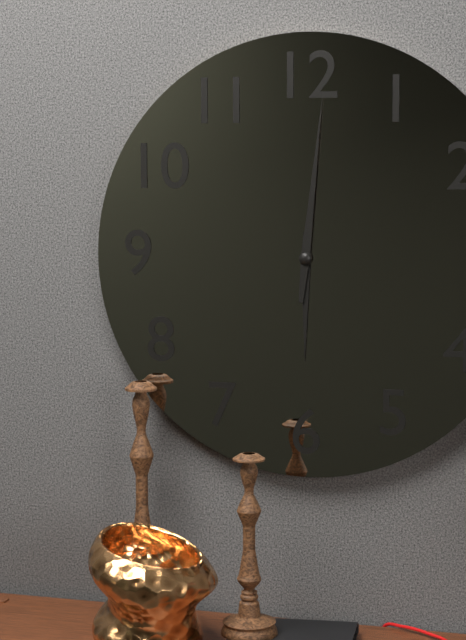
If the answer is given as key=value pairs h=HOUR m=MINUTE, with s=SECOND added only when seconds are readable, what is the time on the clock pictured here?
h=6 m=1
